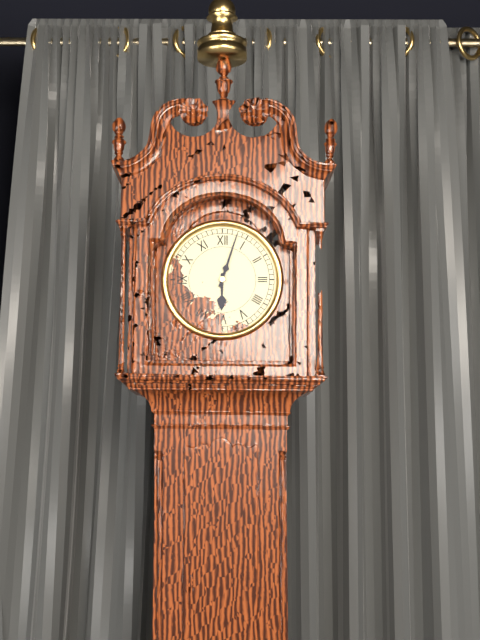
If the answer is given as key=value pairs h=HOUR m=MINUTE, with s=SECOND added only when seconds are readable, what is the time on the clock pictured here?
h=6 m=3
